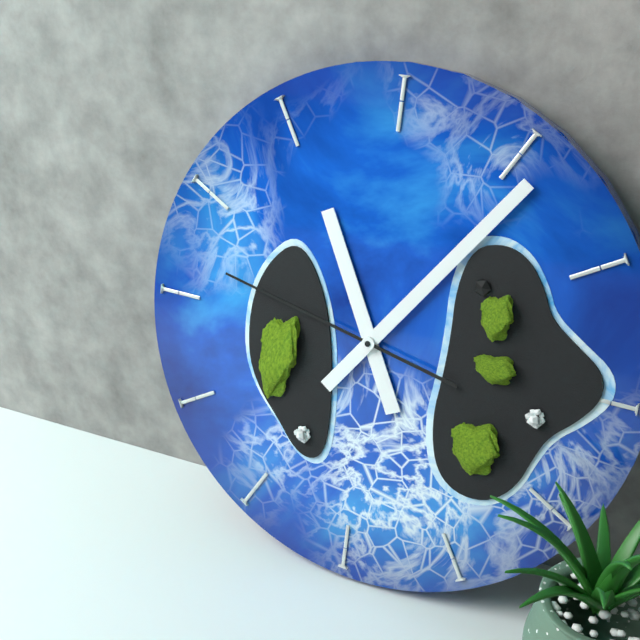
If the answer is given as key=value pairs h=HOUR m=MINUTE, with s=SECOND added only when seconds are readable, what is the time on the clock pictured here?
h=11 m=6 s=47
